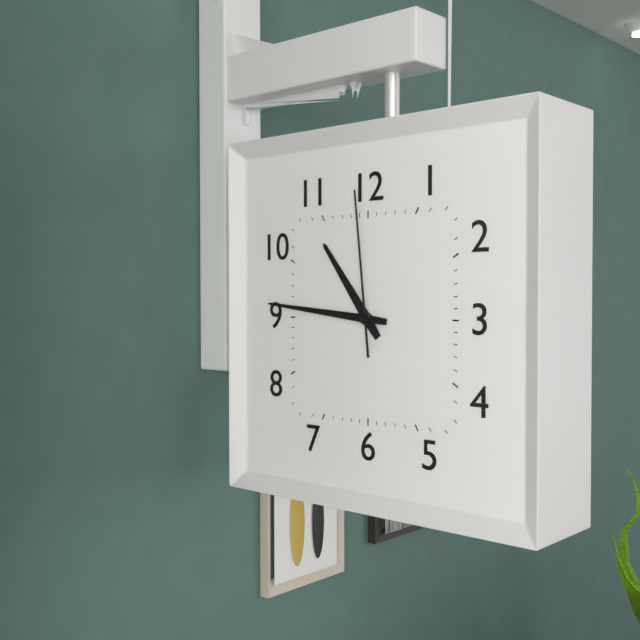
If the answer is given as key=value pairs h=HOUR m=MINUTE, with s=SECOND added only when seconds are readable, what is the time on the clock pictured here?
h=10 m=46 s=59
